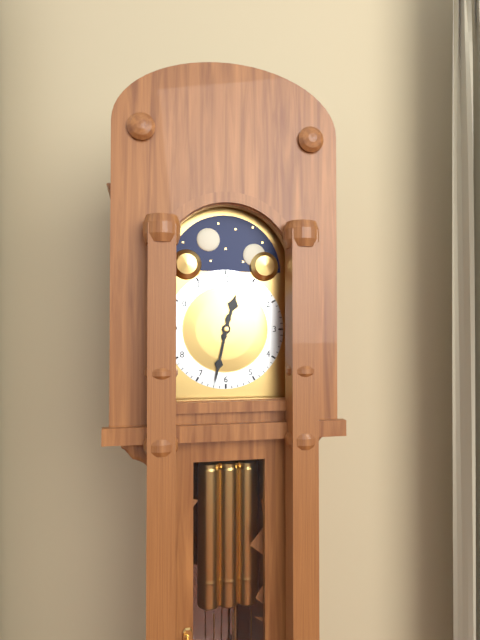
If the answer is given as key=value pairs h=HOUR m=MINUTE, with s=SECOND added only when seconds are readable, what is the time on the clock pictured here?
h=12 m=32
